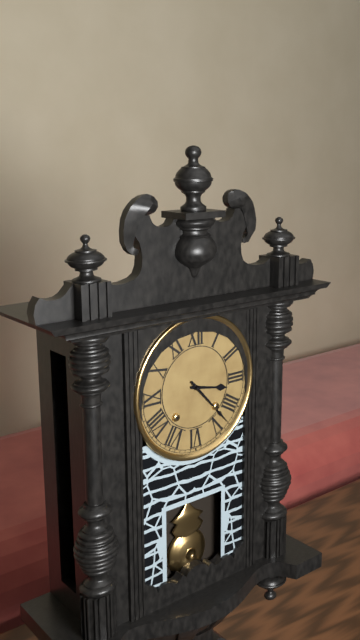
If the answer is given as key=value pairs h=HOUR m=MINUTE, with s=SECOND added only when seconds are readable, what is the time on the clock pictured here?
h=3 m=23
